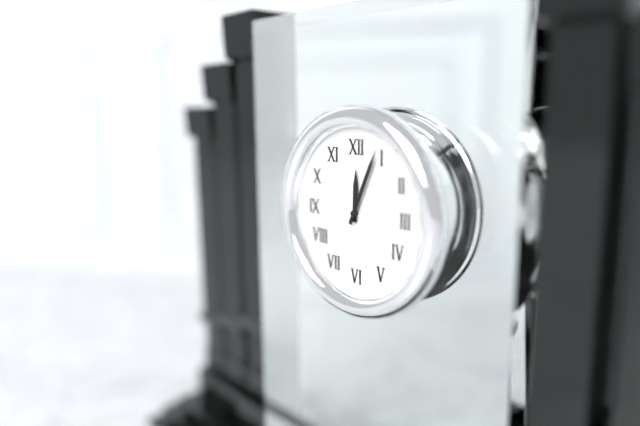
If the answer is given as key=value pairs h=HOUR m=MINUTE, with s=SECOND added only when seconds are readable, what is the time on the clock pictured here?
h=12 m=4
